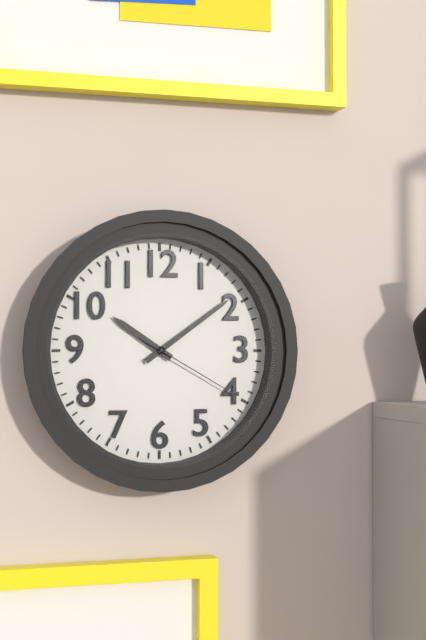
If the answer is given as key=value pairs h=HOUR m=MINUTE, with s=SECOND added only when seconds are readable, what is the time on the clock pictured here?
h=10 m=9 s=20
